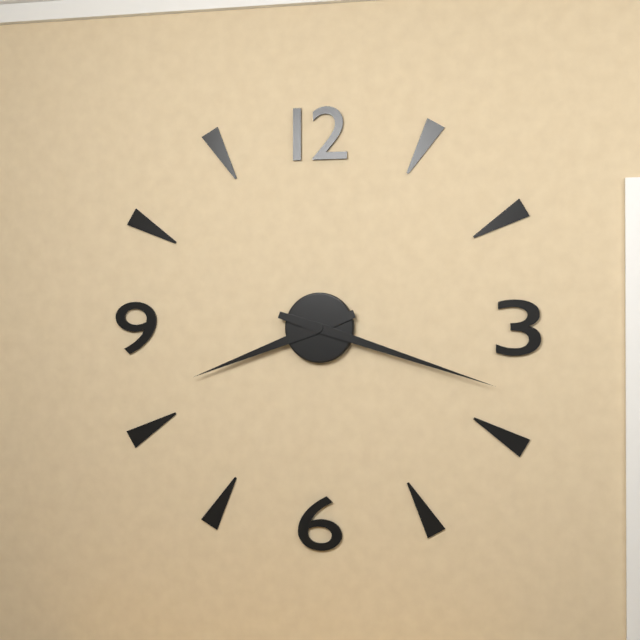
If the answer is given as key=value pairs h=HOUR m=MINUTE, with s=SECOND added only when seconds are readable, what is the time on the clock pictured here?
h=8 m=18
